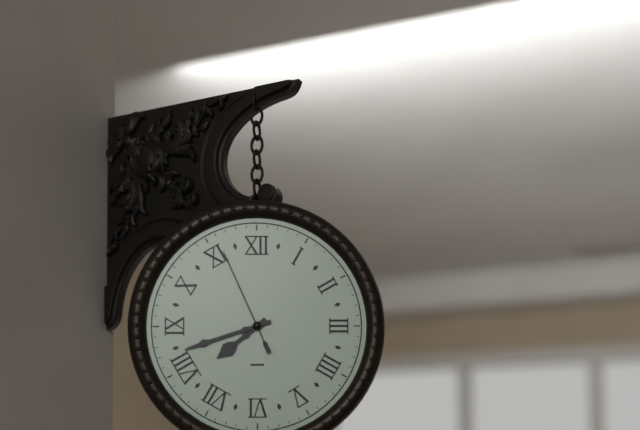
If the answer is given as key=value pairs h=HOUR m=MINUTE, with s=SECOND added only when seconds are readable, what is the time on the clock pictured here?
h=7 m=42 s=56
